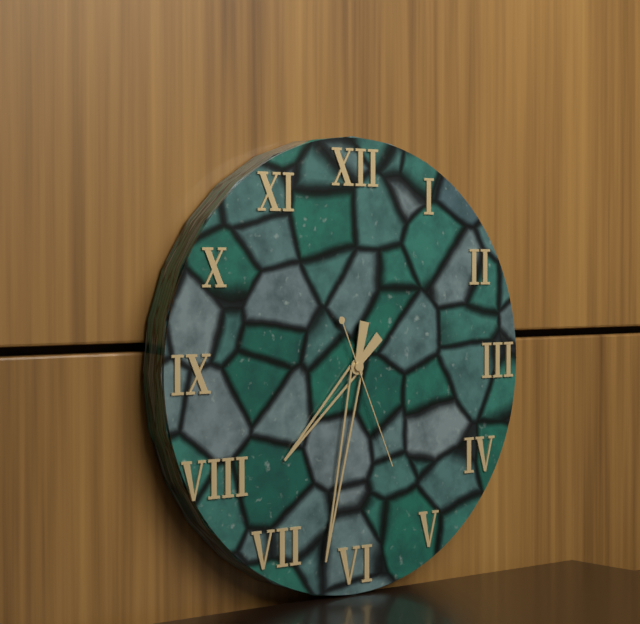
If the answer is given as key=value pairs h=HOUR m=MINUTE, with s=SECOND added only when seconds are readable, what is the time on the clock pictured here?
h=7 m=32 s=26
